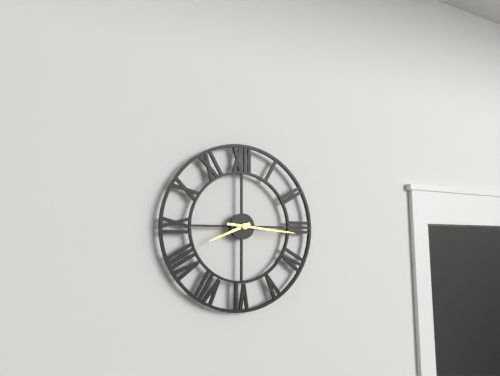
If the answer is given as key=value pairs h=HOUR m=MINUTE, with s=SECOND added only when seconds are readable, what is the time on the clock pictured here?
h=8 m=16
